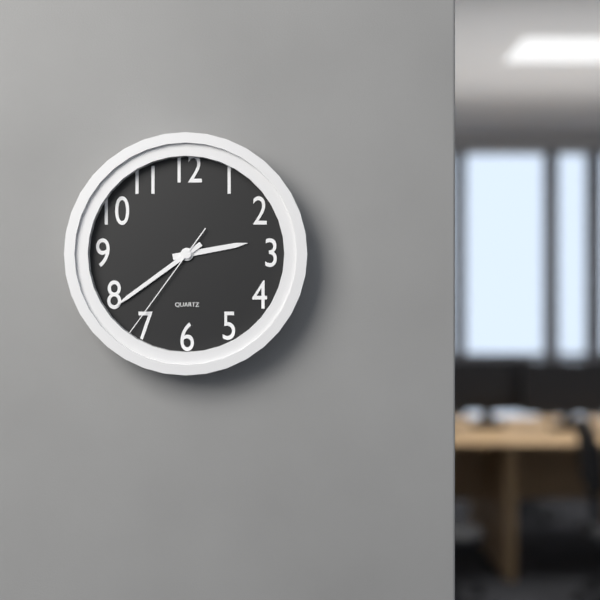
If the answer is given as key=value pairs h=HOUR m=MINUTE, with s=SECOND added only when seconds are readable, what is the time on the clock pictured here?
h=2 m=39 s=36
